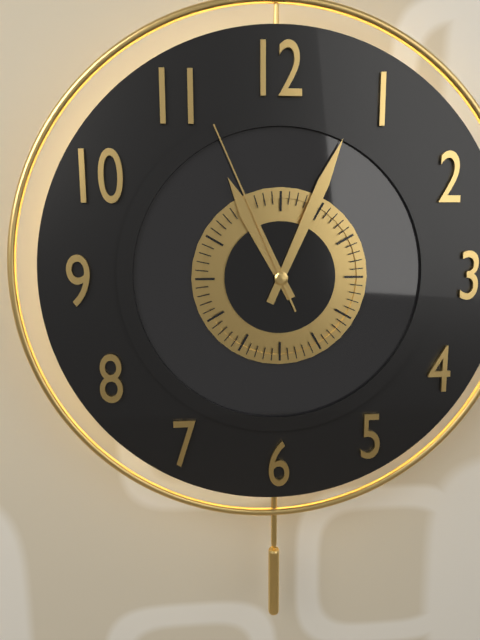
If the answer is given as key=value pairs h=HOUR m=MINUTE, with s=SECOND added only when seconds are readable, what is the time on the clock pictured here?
h=11 m=4 s=56
